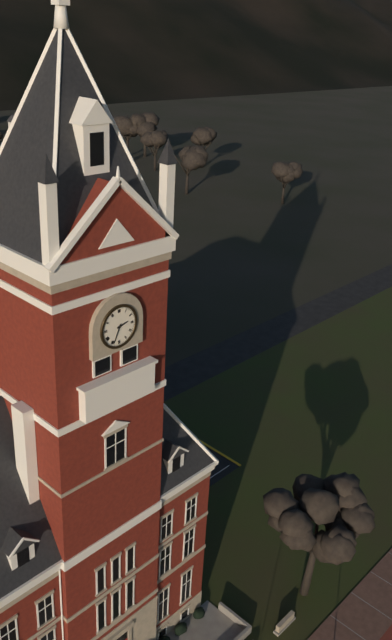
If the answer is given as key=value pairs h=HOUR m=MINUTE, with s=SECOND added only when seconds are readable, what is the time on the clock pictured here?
h=2 m=34
